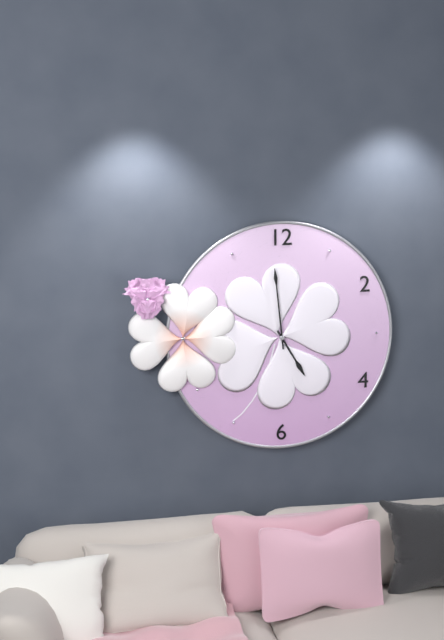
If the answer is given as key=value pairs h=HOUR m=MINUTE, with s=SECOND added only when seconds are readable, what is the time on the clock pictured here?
h=4 m=59
